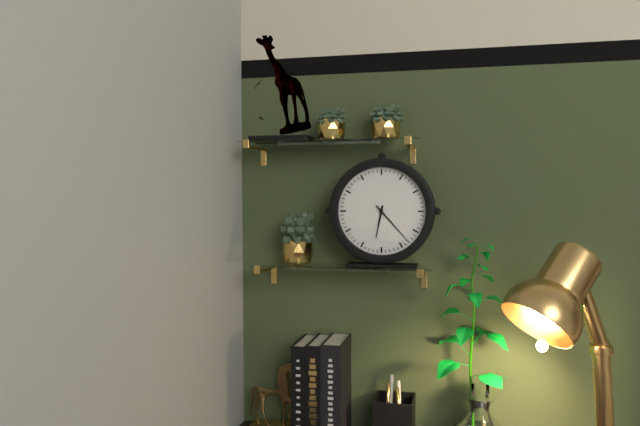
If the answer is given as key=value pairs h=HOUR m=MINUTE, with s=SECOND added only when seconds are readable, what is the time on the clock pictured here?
h=6 m=23
